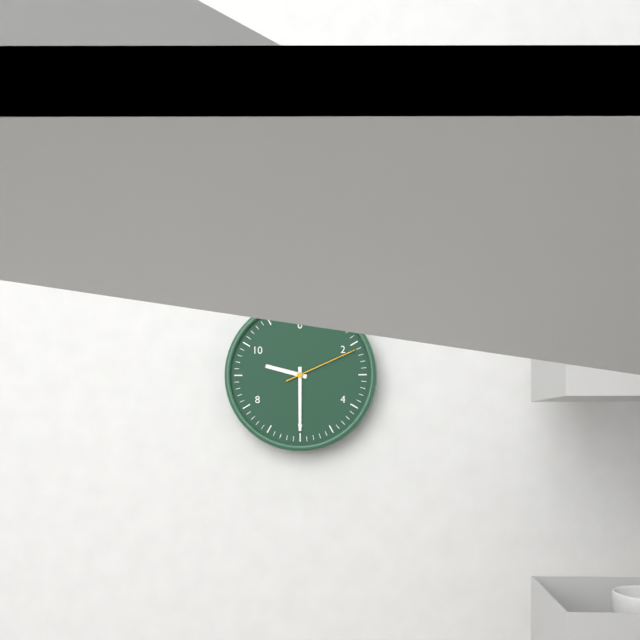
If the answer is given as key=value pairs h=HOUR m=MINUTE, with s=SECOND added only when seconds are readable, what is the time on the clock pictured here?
h=9 m=30 s=11
